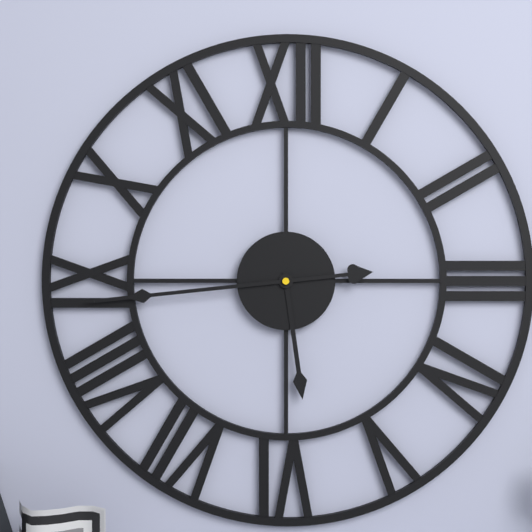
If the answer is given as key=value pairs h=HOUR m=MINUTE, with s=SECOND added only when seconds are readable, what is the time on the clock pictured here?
h=5 m=44
